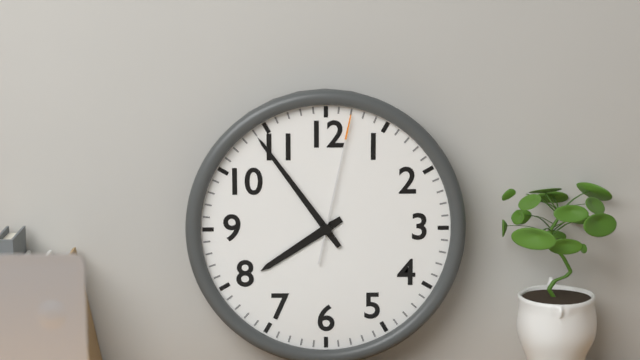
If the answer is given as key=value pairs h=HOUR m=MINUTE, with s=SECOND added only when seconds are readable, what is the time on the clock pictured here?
h=7 m=54 s=2
